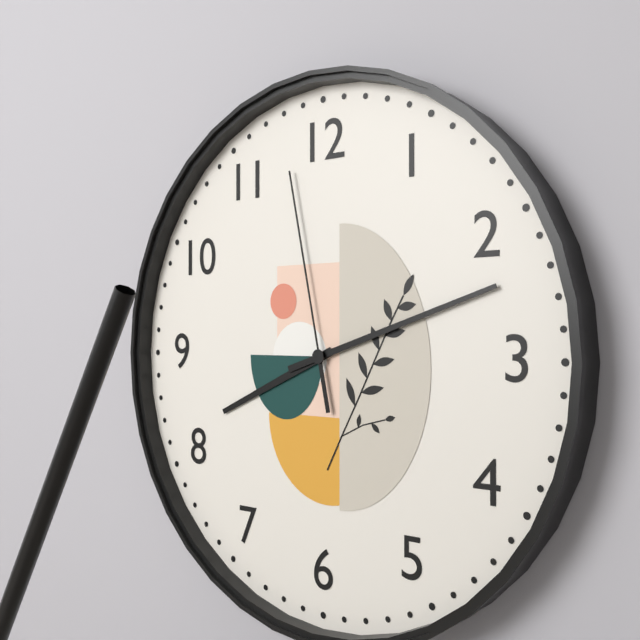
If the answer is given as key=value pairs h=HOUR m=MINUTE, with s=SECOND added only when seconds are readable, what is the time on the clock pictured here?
h=8 m=12 s=58
